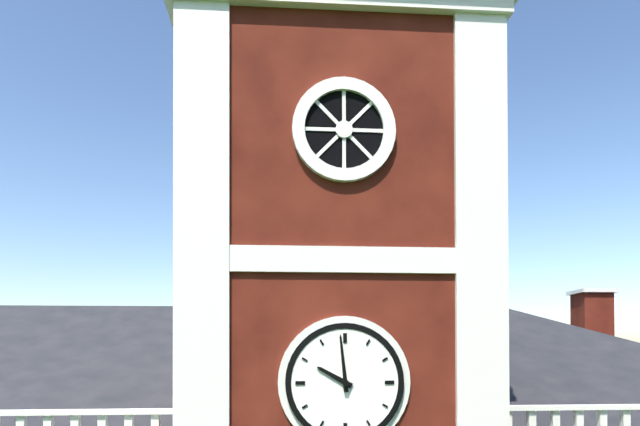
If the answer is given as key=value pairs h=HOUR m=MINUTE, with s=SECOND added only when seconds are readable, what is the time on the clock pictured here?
h=9 m=59
